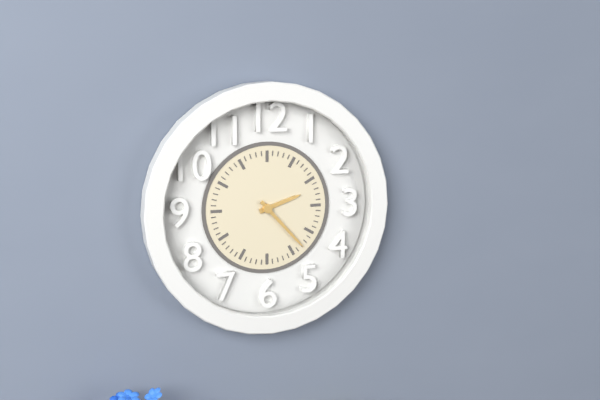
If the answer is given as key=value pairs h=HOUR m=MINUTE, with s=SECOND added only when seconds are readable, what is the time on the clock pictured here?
h=2 m=23
